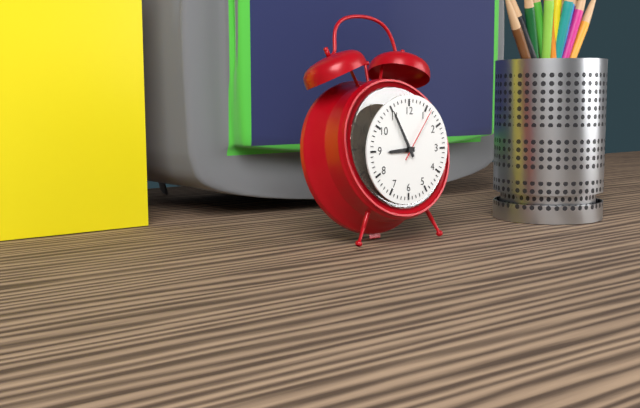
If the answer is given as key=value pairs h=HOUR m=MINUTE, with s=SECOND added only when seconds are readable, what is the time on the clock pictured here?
h=8 m=55 s=6
